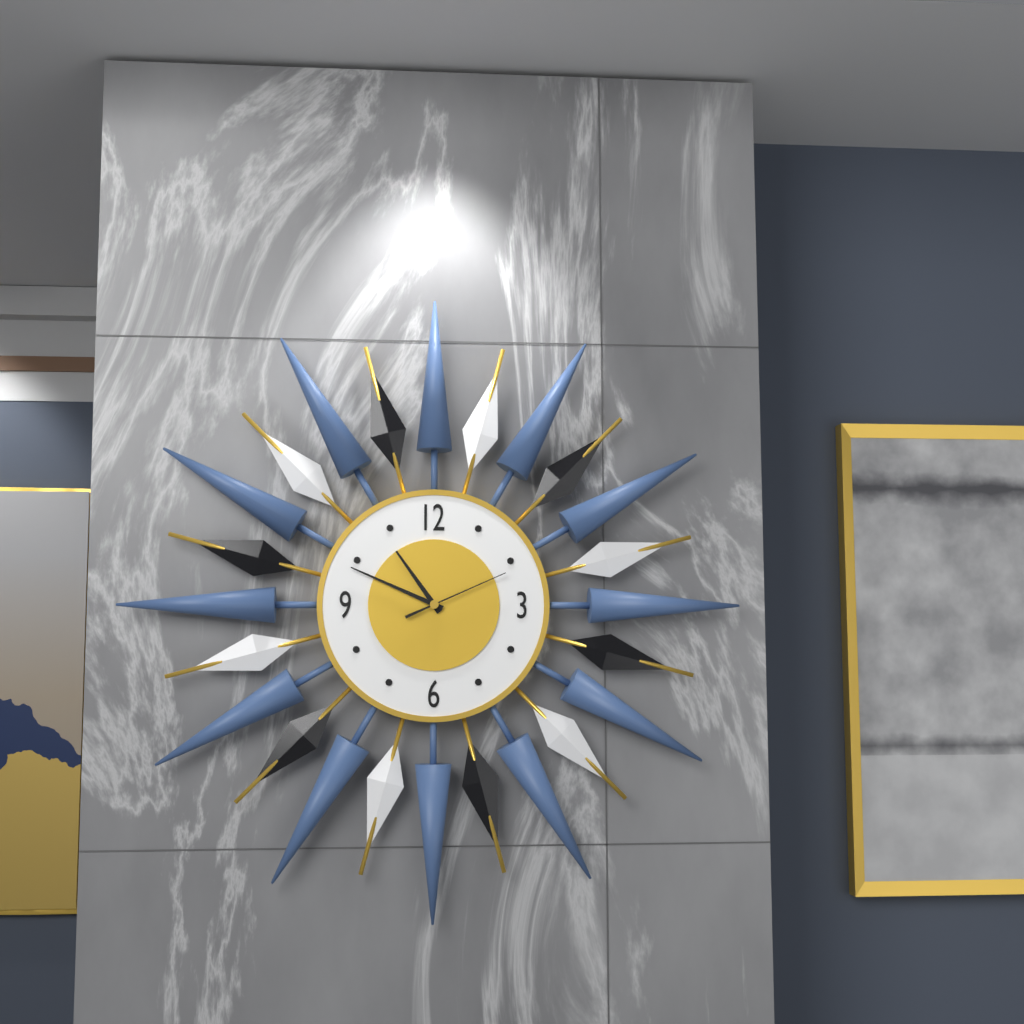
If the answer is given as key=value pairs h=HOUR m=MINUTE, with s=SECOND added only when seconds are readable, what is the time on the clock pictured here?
h=10 m=49 s=11
